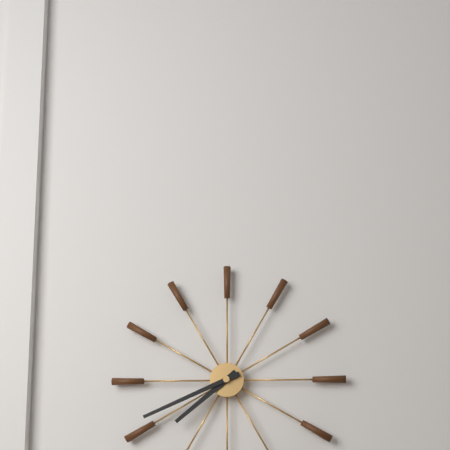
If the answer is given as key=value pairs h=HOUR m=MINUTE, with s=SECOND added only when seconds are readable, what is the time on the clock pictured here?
h=7 m=41
